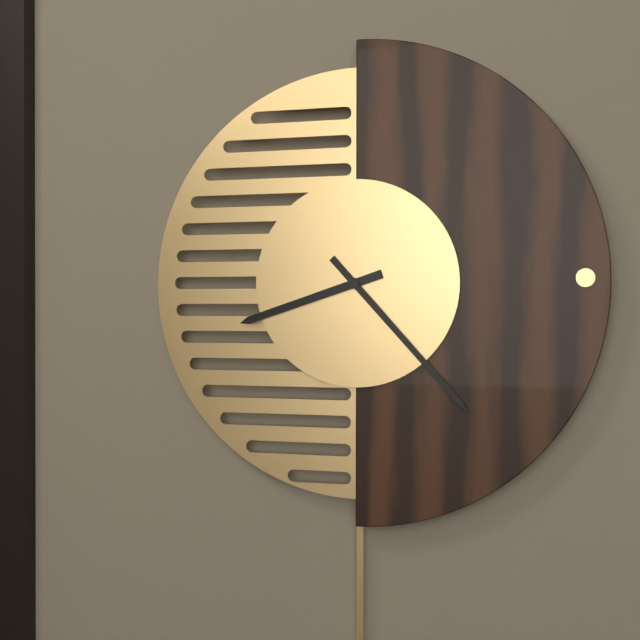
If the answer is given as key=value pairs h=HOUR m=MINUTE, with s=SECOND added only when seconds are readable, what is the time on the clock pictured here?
h=8 m=23
